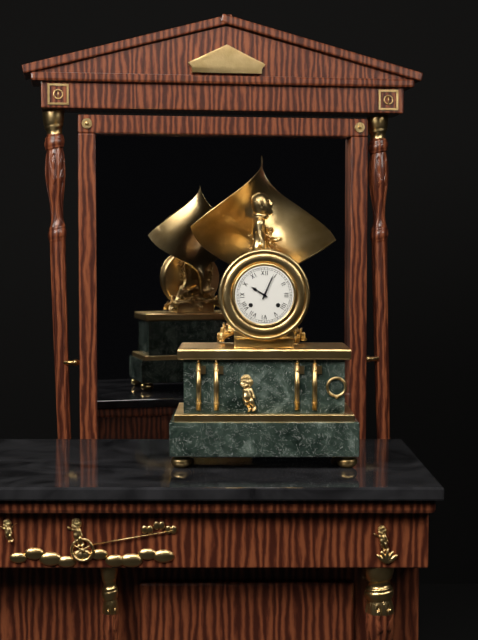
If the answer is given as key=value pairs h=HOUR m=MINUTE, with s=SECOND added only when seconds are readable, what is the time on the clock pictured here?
h=10 m=4
